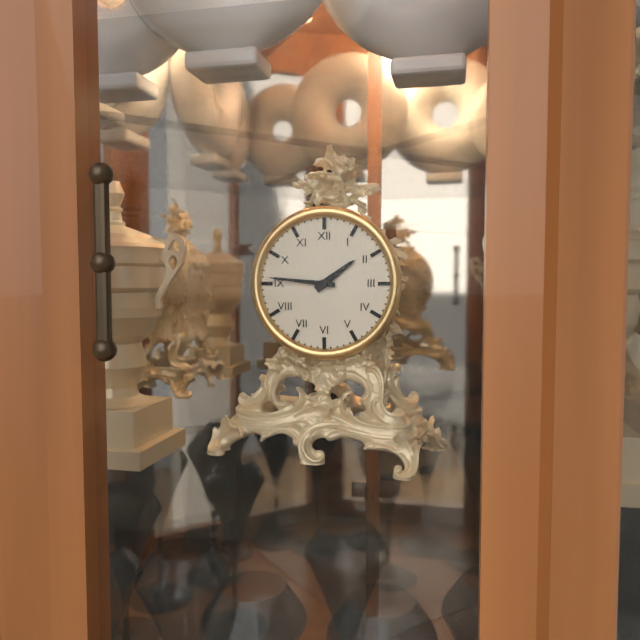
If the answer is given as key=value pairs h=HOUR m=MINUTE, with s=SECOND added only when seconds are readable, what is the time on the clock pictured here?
h=1 m=46
